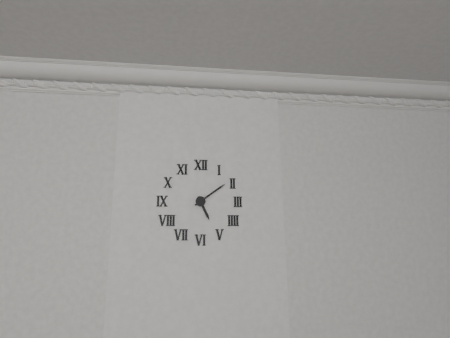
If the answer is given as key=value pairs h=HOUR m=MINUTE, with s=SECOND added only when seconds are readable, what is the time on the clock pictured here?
h=5 m=9
